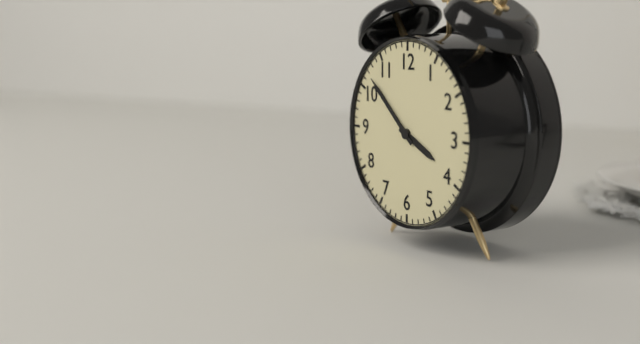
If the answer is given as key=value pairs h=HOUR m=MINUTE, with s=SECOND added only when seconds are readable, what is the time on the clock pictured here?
h=3 m=52
